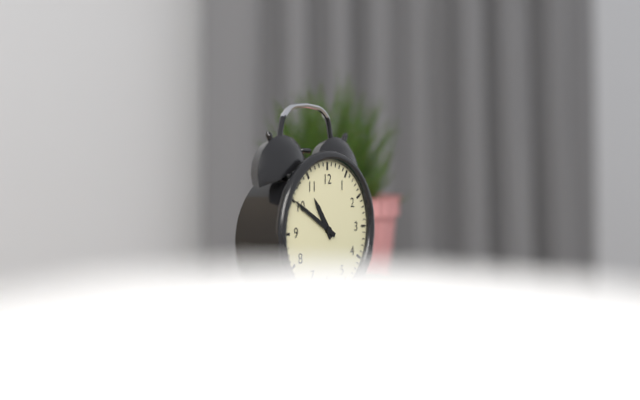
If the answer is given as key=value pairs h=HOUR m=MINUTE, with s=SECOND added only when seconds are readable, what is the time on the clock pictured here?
h=10 m=50
